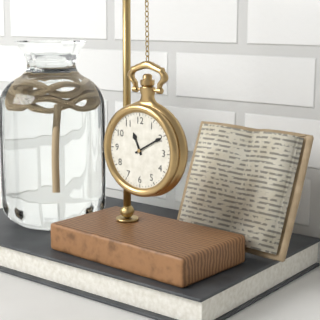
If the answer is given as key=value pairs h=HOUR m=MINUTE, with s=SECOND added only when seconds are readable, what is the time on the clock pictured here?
h=11 m=10
